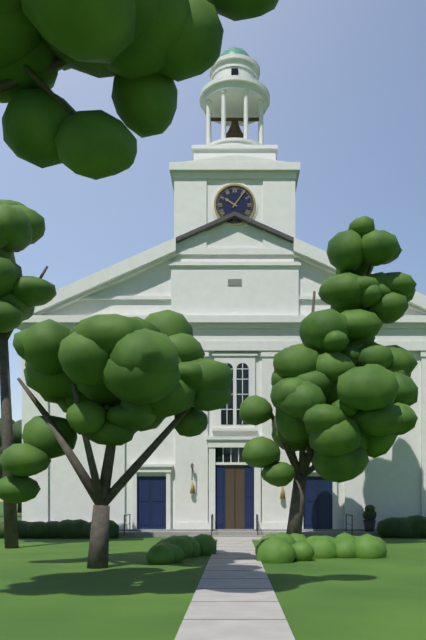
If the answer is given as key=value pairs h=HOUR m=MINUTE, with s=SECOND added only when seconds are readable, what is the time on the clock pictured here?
h=10 m=6
